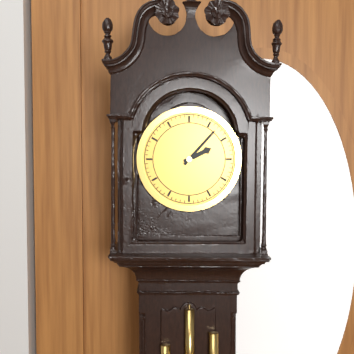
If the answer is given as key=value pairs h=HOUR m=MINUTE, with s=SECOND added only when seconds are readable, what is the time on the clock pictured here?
h=2 m=7
